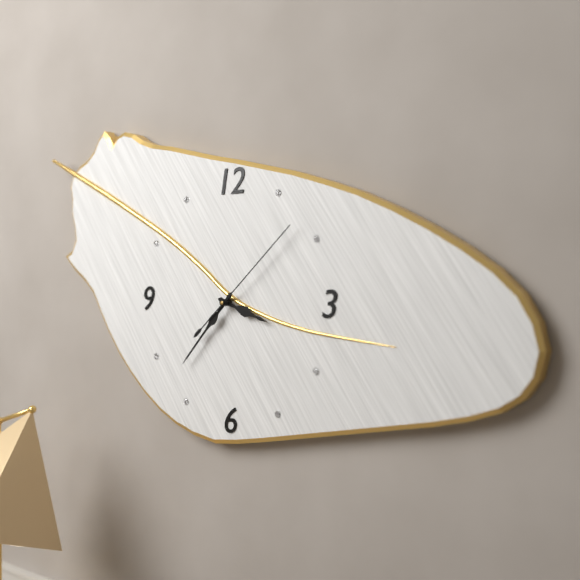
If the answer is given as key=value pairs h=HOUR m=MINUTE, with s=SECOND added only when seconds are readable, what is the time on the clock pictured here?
h=3 m=37 s=8
